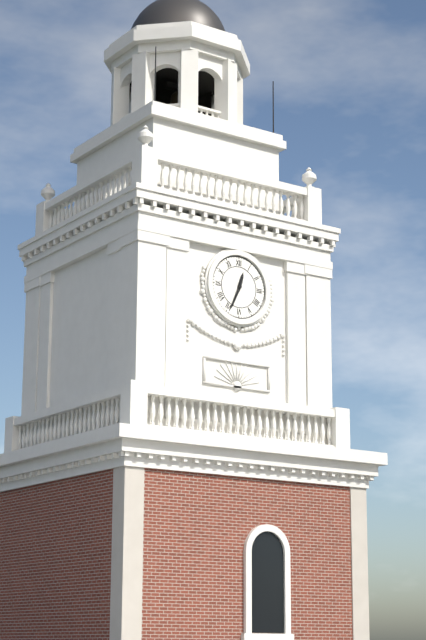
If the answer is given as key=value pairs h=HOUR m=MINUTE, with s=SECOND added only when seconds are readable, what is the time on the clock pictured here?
h=12 m=34
